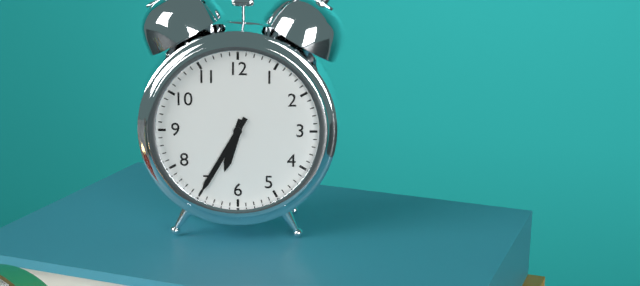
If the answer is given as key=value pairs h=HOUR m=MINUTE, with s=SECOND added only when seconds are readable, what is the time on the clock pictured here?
h=6 m=35
